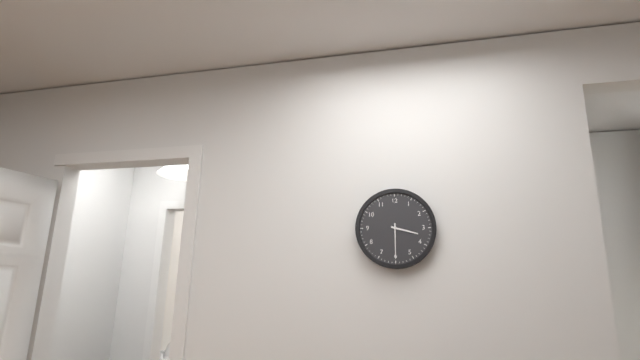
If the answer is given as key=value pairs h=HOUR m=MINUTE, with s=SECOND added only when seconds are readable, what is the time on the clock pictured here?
h=3 m=30
